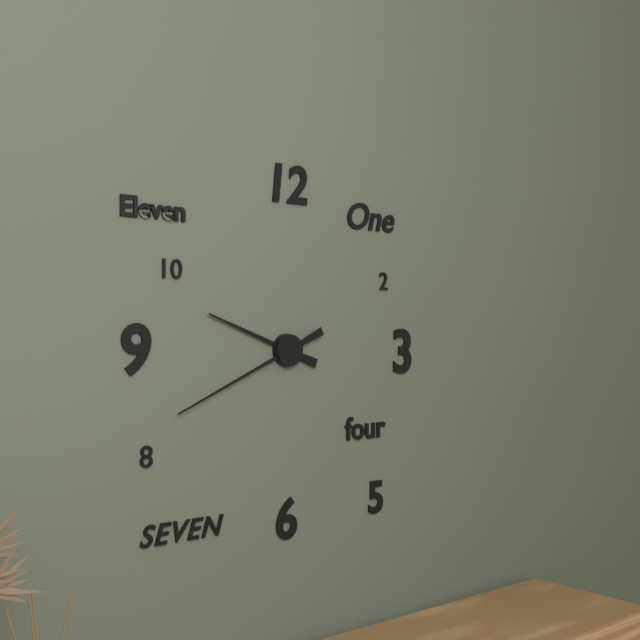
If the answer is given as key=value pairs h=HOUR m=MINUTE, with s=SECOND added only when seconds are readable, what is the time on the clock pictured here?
h=9 m=41
